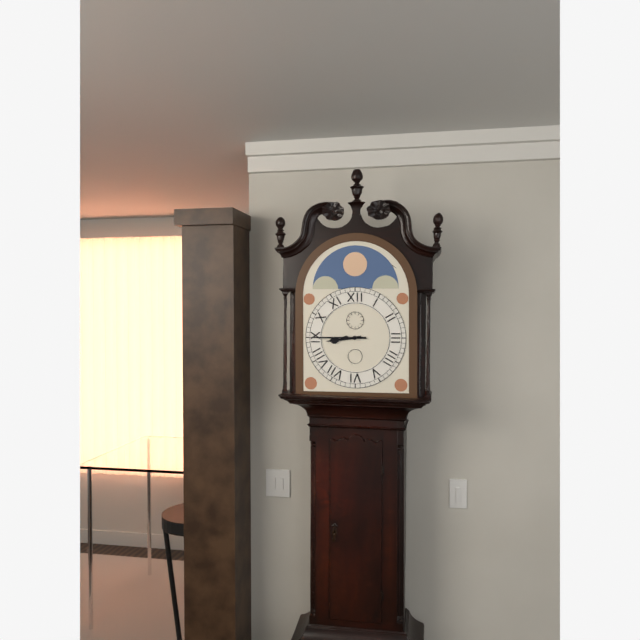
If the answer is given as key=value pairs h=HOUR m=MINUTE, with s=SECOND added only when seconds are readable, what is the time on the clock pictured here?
h=8 m=45
